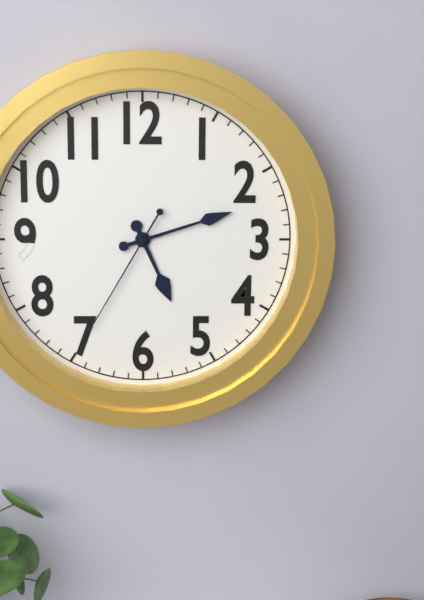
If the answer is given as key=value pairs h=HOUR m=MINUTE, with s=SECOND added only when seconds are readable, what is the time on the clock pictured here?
h=5 m=12 s=35
